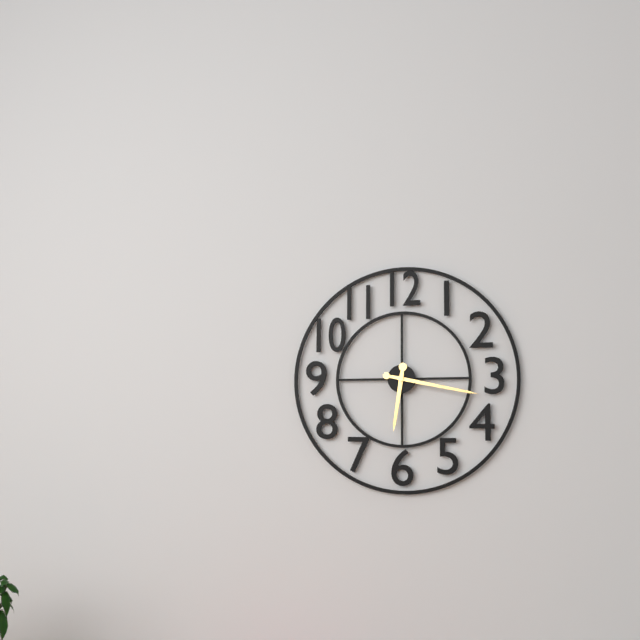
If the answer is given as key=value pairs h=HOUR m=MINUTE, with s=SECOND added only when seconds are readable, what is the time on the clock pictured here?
h=6 m=17
